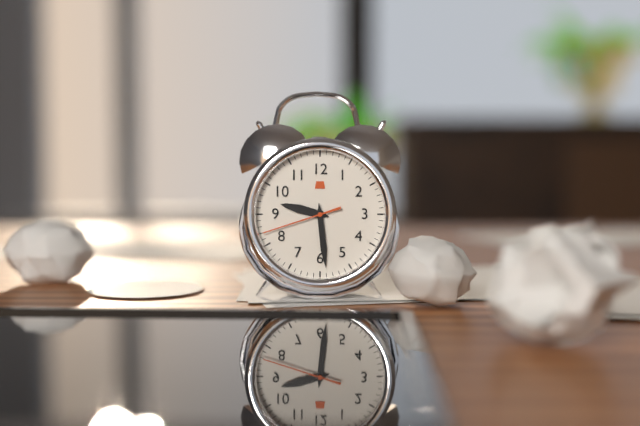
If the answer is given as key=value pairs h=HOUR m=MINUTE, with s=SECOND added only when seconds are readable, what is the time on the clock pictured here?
h=9 m=29 s=42
